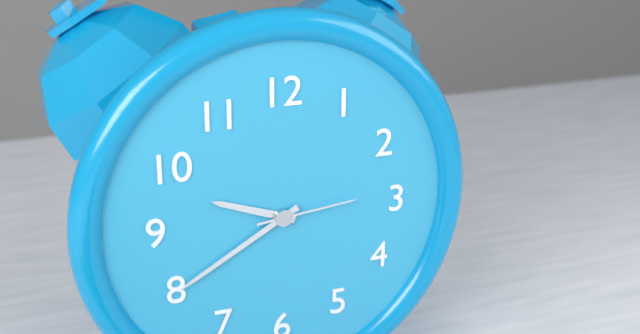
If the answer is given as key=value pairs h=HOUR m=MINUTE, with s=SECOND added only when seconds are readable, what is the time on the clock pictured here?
h=9 m=40 s=14
